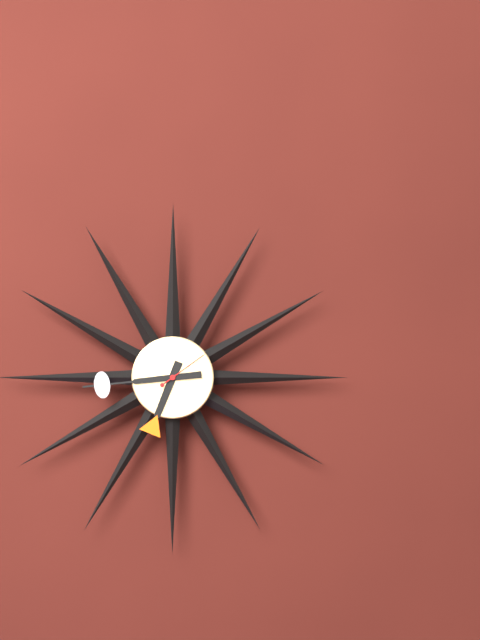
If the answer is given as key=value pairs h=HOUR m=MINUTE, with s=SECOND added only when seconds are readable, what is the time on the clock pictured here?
h=6 m=44
